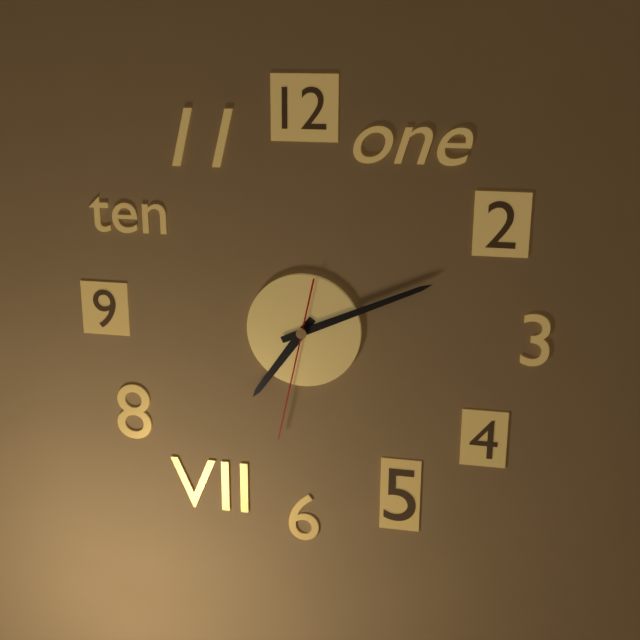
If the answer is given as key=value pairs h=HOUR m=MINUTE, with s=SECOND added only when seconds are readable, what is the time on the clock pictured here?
h=7 m=11 s=32
